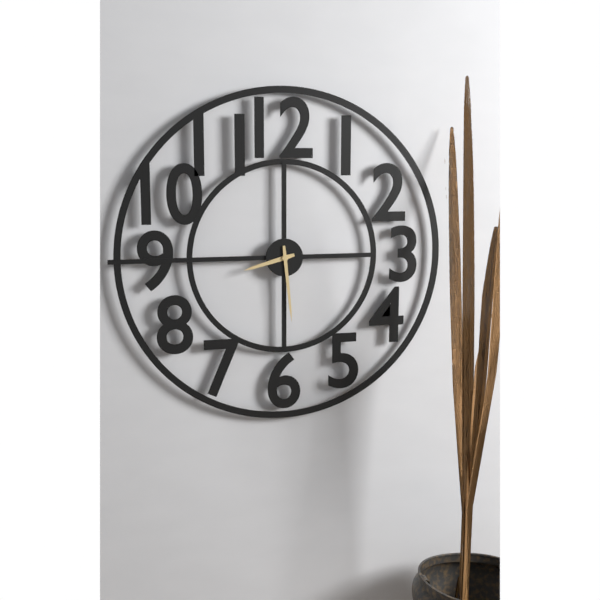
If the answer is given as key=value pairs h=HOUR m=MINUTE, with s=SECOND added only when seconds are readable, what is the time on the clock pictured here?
h=8 m=29
